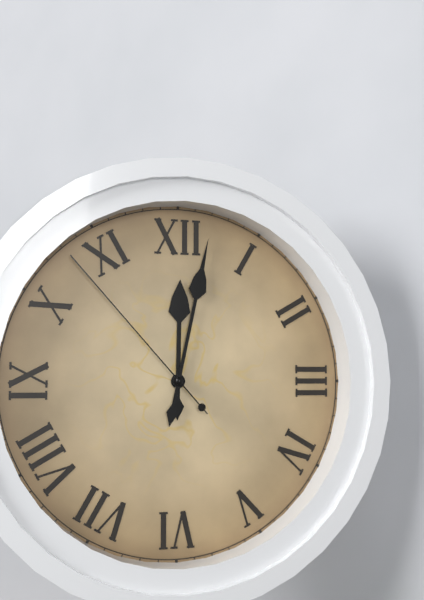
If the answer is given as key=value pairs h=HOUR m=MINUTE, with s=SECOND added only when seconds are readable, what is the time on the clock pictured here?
h=12 m=2 s=53
